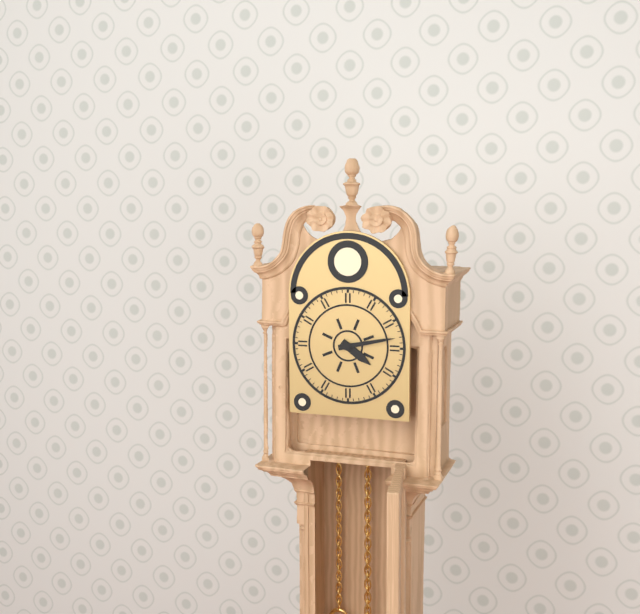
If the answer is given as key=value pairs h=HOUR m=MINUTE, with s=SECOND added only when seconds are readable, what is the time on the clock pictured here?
h=4 m=13
